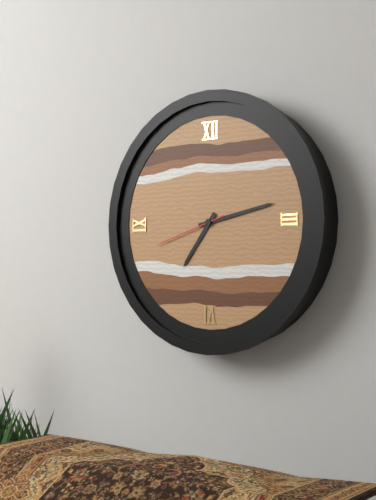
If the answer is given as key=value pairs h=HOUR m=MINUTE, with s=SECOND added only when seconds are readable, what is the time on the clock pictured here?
h=7 m=13 s=42
